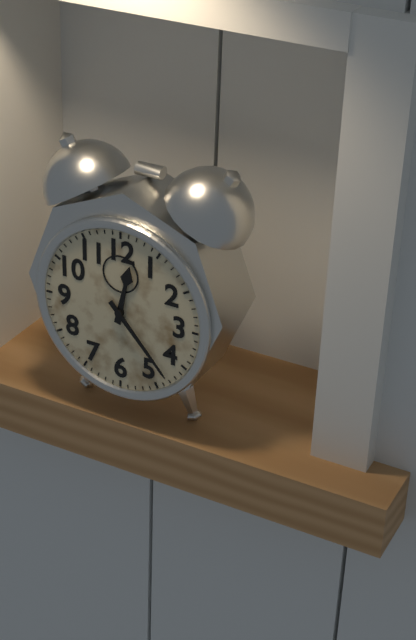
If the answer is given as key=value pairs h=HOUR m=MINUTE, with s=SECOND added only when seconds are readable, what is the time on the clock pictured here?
h=12 m=23
